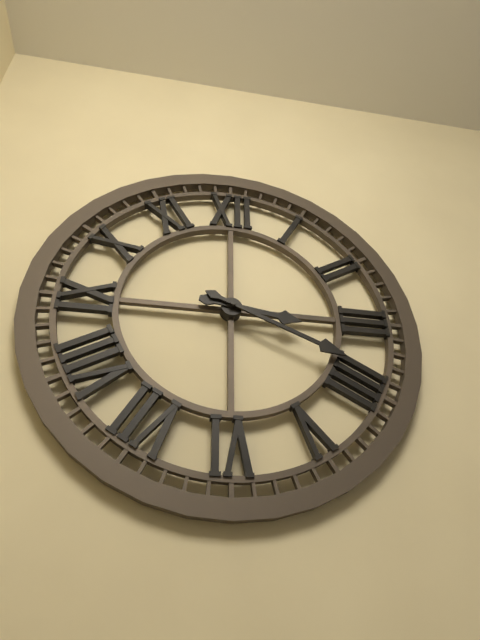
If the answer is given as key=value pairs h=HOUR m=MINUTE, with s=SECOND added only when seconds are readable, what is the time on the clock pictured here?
h=3 m=19
